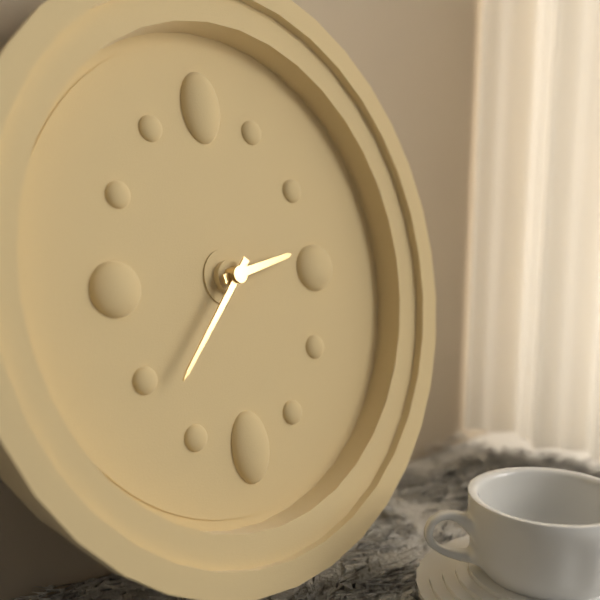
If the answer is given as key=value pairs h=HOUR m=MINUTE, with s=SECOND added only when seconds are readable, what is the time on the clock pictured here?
h=2 m=37
